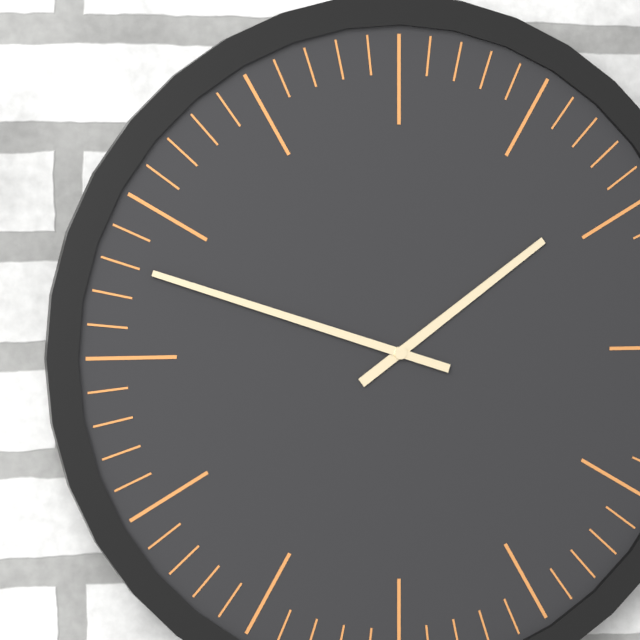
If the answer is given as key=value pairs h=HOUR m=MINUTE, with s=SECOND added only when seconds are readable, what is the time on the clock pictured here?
h=1 m=48
